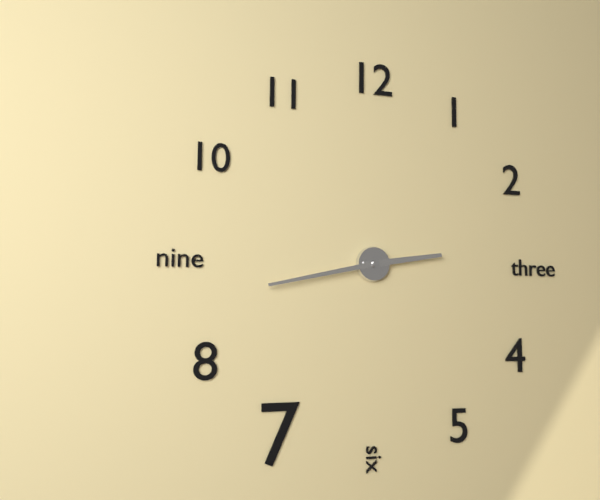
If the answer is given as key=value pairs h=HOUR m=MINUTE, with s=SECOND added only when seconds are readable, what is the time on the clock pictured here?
h=2 m=43
